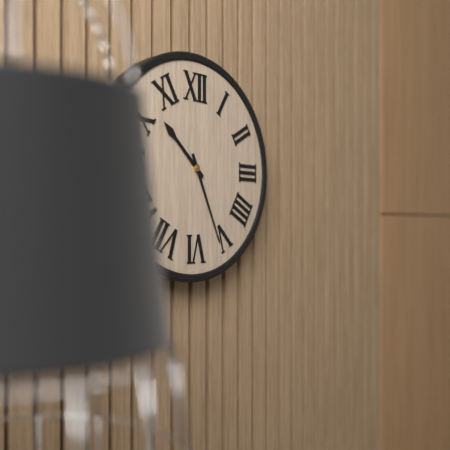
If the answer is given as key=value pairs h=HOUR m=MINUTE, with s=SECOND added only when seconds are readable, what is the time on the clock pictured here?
h=10 m=26
